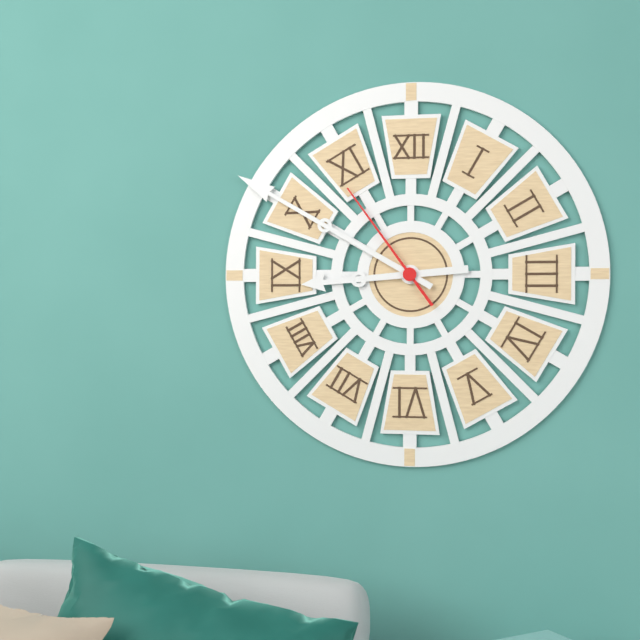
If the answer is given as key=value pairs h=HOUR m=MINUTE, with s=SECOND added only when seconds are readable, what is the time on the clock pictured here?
h=8 m=50 s=54
